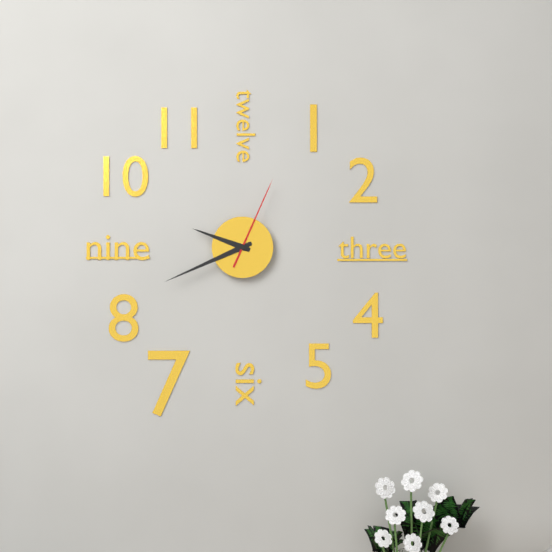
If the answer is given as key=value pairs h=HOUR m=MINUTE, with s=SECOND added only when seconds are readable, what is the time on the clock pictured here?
h=9 m=41 s=4
